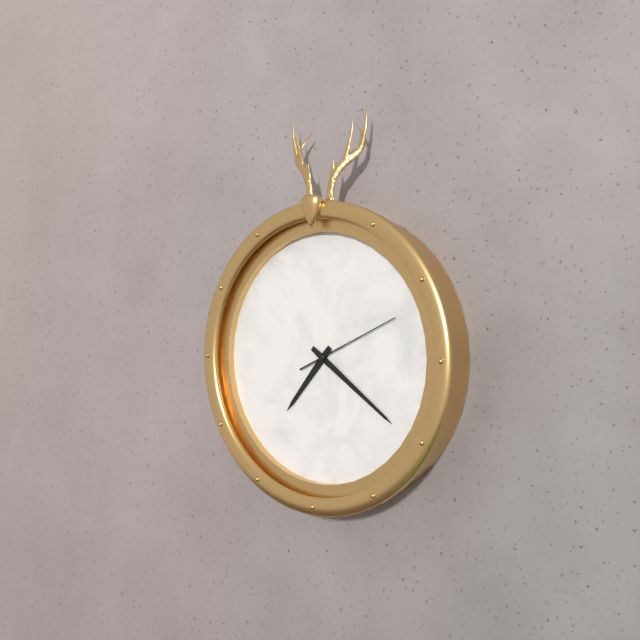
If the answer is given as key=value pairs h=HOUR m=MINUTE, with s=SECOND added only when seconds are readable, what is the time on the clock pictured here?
h=7 m=21 s=11
